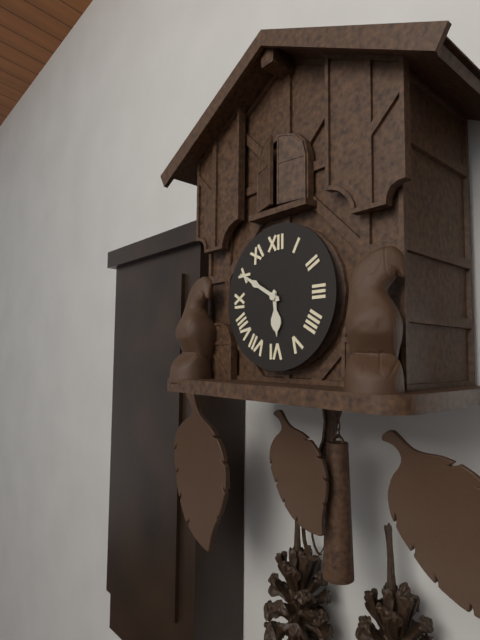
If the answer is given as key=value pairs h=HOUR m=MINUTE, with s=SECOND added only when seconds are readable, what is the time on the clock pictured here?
h=5 m=50
